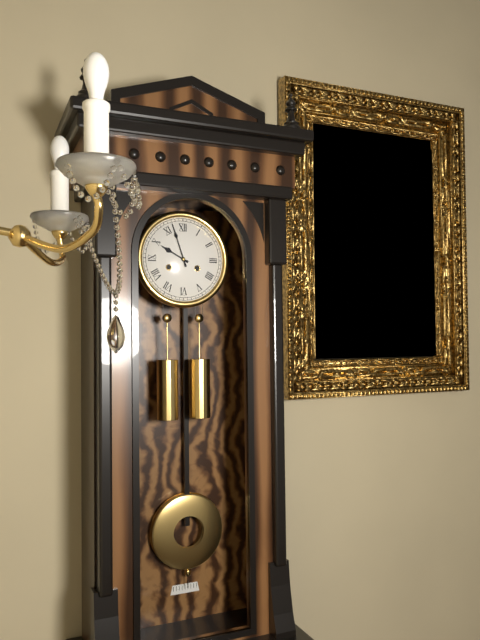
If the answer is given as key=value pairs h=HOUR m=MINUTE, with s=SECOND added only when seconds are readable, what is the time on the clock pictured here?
h=9 m=57
